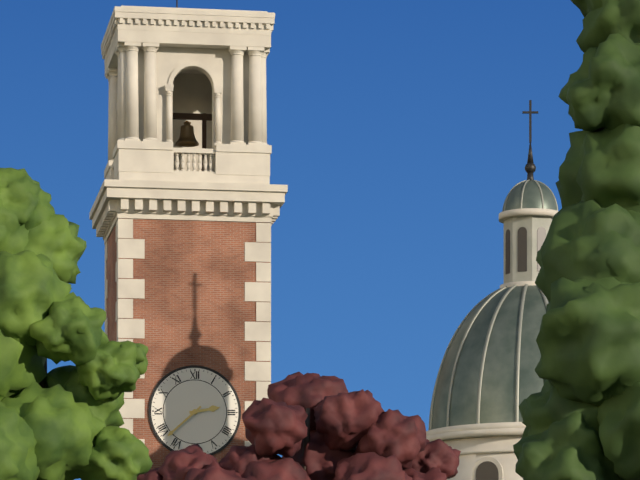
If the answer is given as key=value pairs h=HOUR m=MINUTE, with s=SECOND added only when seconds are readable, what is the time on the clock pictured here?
h=2 m=38
